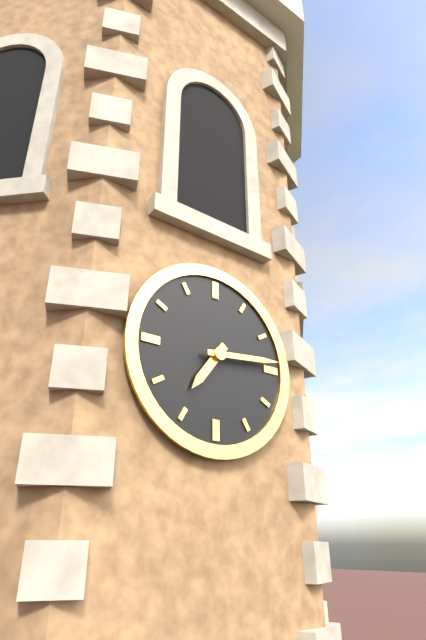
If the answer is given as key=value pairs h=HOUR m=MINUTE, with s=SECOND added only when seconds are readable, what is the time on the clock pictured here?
h=7 m=14
